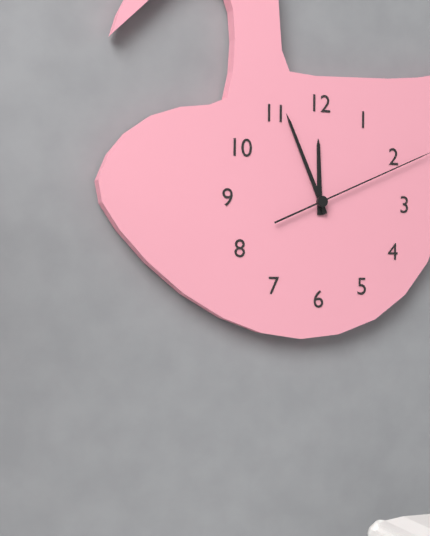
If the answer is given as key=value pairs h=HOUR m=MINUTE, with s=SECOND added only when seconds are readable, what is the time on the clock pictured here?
h=11 m=56
